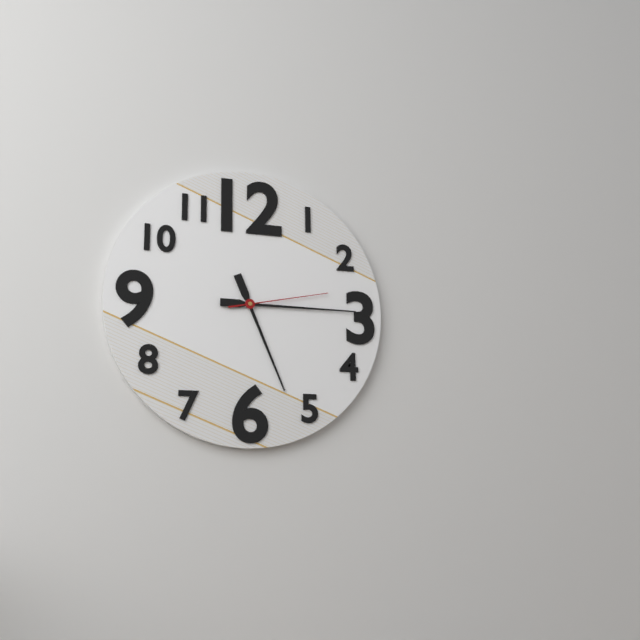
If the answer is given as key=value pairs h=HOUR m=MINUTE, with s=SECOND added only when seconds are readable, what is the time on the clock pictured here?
h=5 m=15 s=13
